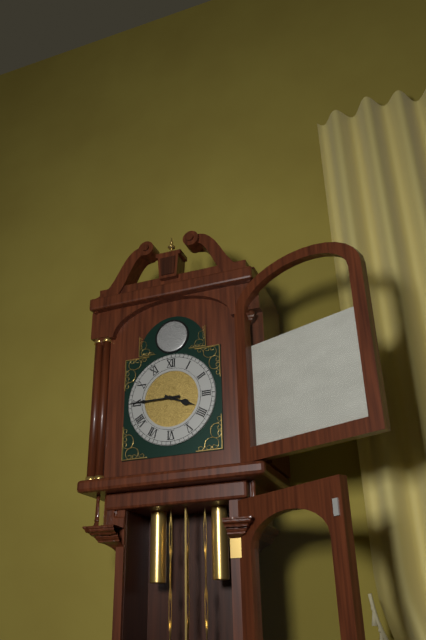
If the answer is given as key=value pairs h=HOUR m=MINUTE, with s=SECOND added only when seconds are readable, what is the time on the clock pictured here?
h=3 m=45
